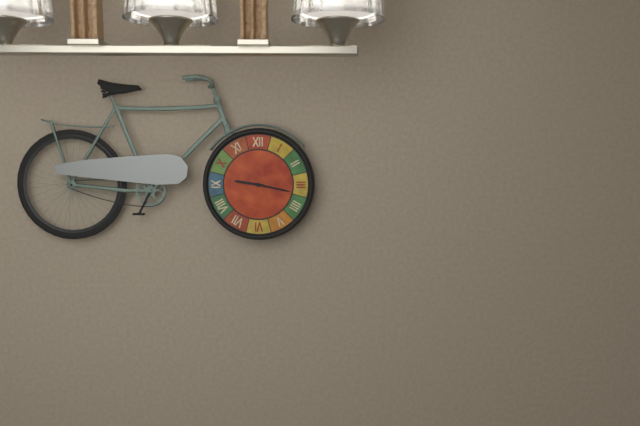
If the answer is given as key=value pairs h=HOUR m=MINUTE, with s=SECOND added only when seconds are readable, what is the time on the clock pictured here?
h=9 m=17
